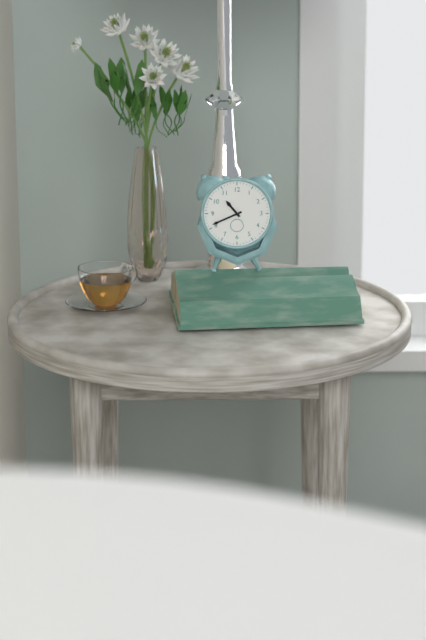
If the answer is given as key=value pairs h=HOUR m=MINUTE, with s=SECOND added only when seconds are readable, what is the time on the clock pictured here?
h=10 m=41
